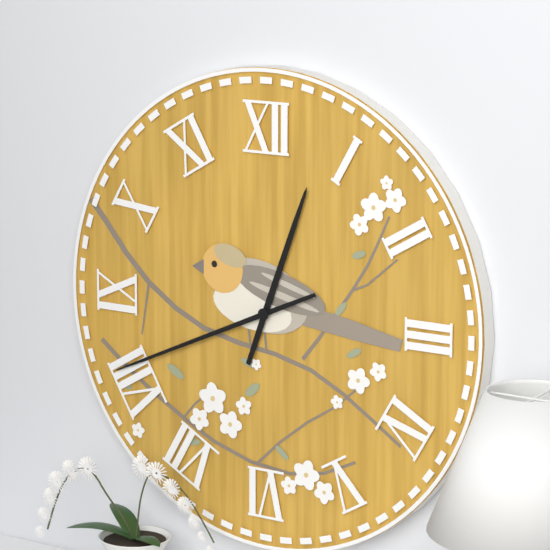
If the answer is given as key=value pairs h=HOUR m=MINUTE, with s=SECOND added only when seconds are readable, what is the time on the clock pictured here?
h=12 m=41
